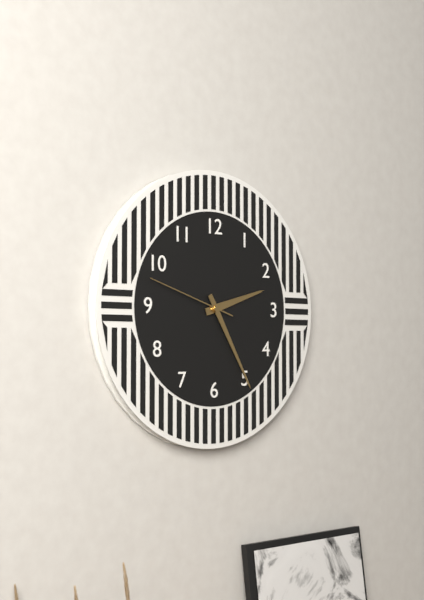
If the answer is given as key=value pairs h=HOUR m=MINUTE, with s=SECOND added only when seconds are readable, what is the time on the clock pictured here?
h=2 m=25 s=48
